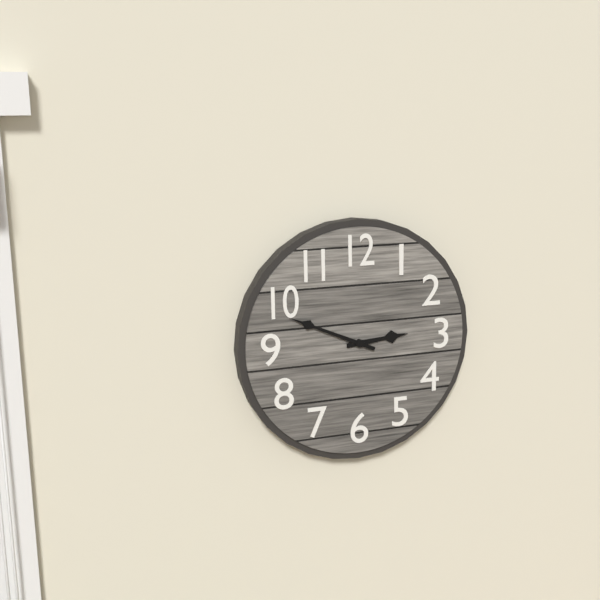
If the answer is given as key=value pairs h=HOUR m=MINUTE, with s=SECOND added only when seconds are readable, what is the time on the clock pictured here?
h=2 m=49
